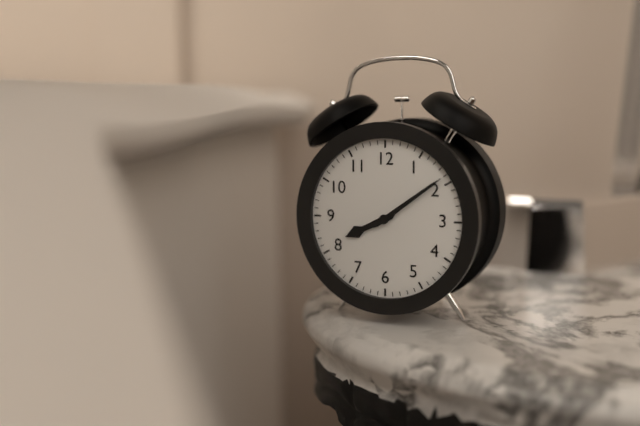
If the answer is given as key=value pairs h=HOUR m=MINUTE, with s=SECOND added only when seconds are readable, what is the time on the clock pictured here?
h=8 m=9
